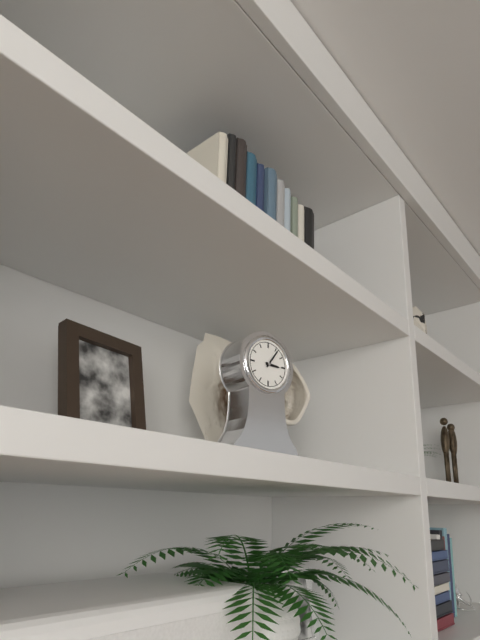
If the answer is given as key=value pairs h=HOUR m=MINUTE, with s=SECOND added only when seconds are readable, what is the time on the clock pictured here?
h=3 m=6
